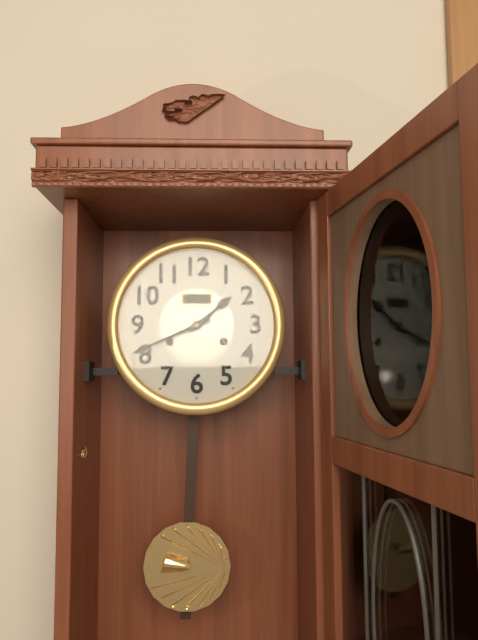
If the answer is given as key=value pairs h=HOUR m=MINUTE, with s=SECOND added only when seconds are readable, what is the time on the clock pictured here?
h=1 m=41
